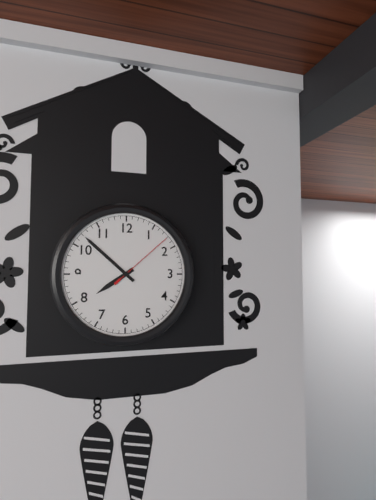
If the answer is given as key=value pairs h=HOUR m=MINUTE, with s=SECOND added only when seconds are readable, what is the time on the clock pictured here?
h=7 m=52 s=8
